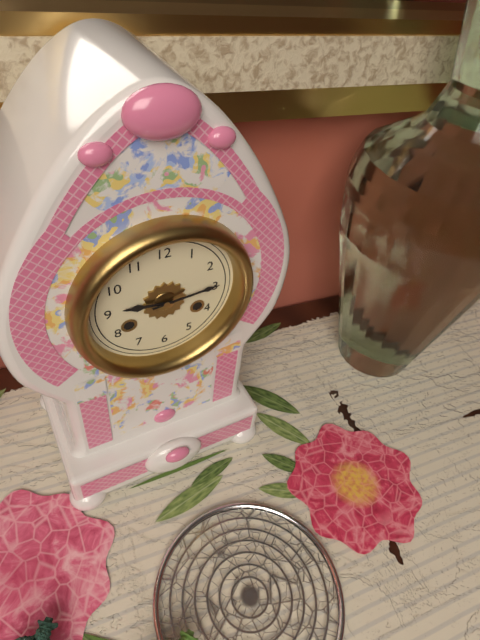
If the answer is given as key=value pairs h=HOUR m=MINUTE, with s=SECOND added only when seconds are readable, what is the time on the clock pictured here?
h=9 m=14
